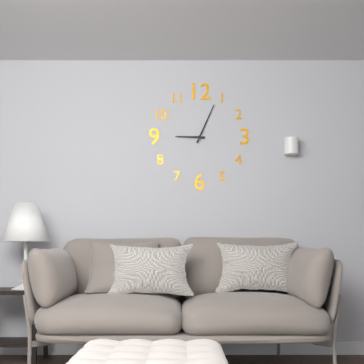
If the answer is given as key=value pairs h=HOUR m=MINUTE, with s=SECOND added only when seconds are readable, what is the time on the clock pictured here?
h=9 m=4
